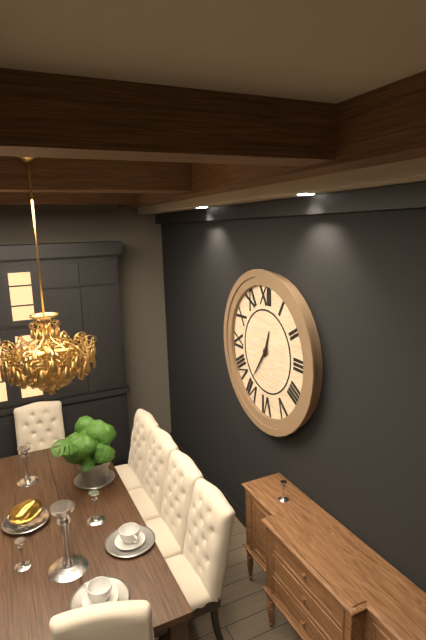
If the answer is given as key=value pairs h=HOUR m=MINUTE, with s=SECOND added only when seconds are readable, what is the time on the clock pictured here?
h=12 m=36
